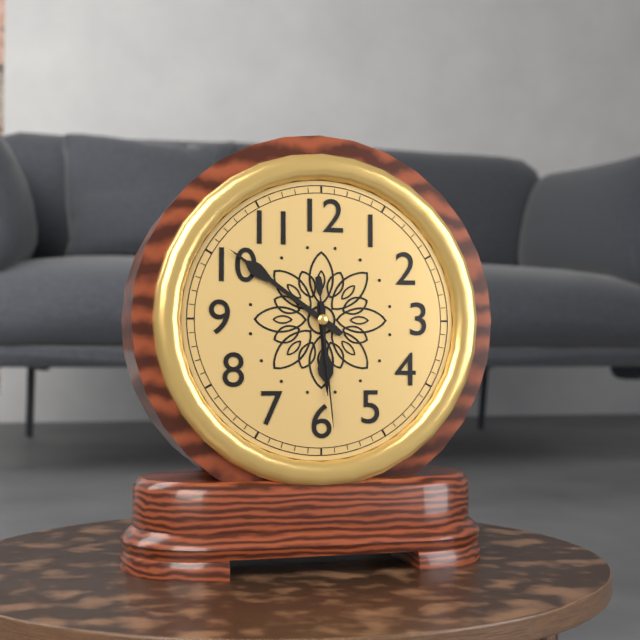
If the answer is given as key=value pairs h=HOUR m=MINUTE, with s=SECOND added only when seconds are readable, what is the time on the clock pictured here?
h=5 m=51 s=29
